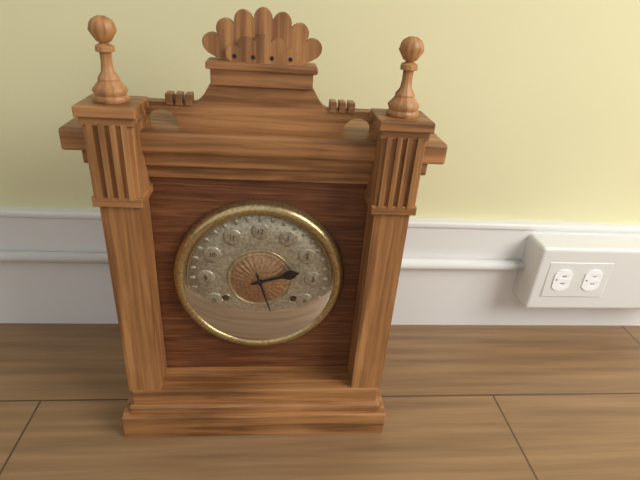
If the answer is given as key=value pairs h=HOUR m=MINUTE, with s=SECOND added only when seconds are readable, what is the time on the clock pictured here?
h=2 m=27
